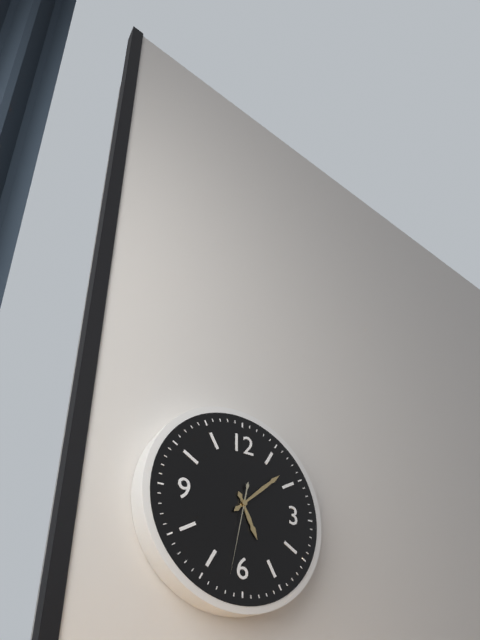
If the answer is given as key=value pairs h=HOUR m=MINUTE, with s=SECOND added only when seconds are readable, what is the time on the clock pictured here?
h=5 m=8 s=32
